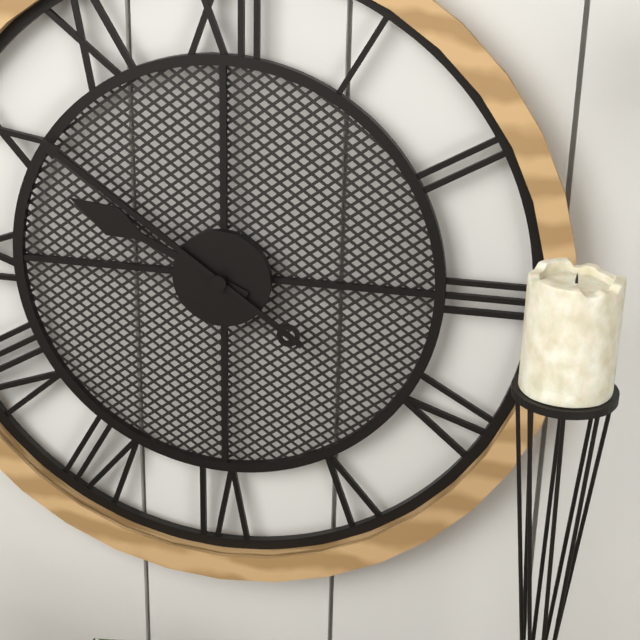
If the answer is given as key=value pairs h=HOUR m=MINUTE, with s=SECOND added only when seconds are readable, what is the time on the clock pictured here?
h=9 m=51
